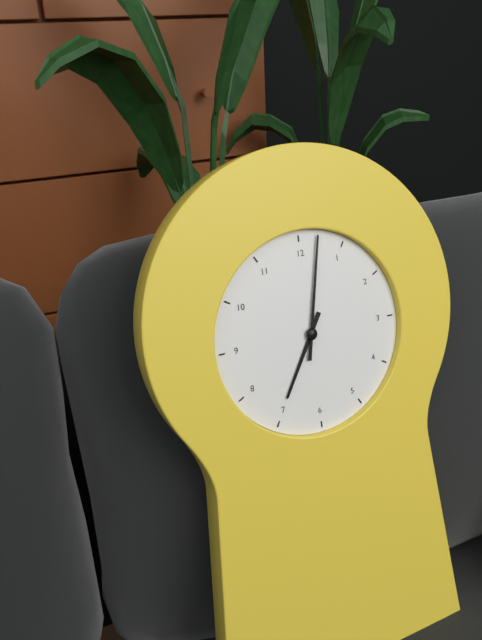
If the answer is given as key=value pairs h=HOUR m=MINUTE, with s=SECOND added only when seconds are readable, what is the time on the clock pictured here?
h=7 m=2
